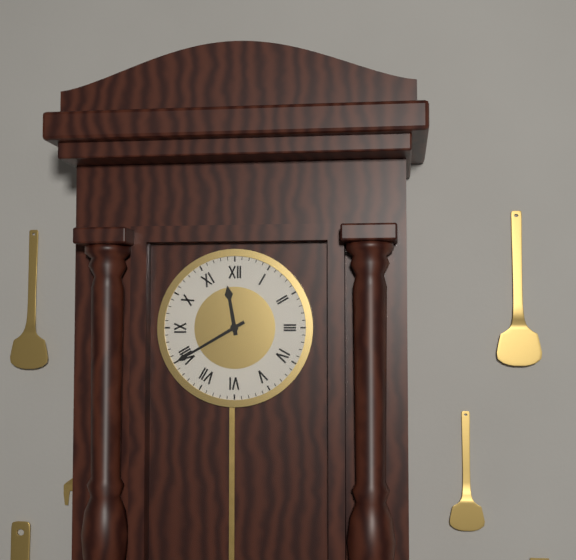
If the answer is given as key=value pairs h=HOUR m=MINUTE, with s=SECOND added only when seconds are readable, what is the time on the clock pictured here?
h=11 m=40
